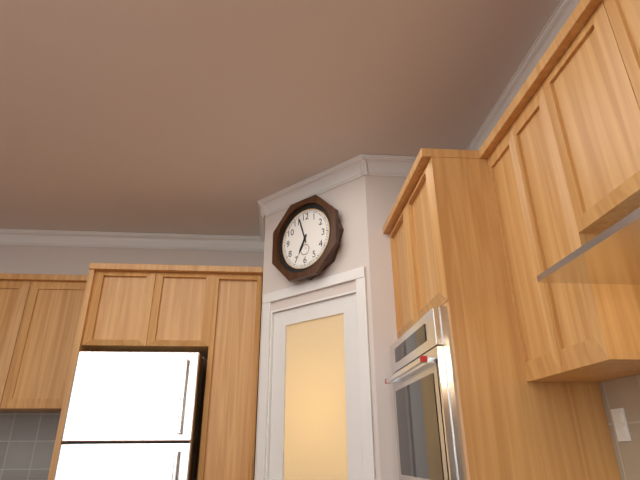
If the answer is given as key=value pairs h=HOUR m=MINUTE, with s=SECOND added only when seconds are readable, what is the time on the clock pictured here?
h=6 m=57
